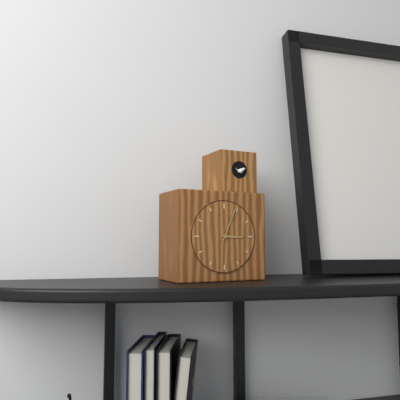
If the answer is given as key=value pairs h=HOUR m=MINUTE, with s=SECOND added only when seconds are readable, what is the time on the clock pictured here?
h=3 m=4
